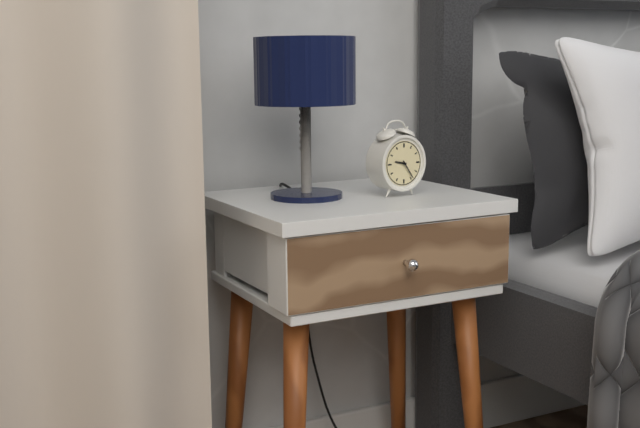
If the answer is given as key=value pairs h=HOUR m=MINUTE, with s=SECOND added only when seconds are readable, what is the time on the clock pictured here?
h=9 m=24
